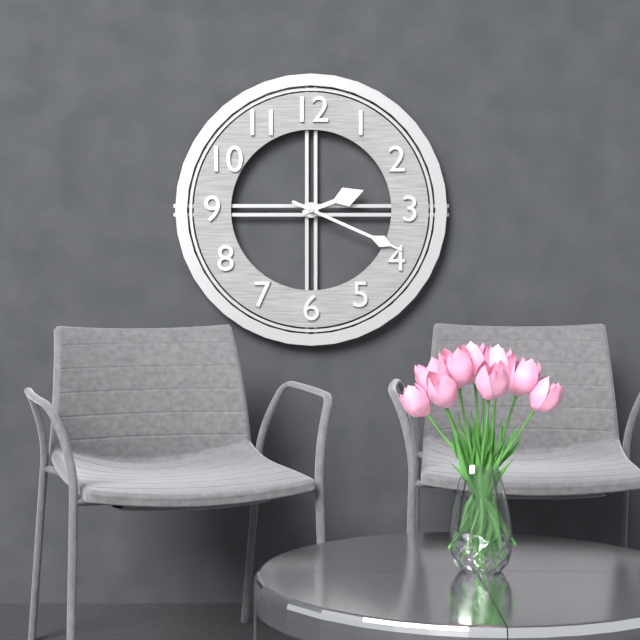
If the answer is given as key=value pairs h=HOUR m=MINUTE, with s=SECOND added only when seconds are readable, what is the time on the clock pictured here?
h=2 m=19
